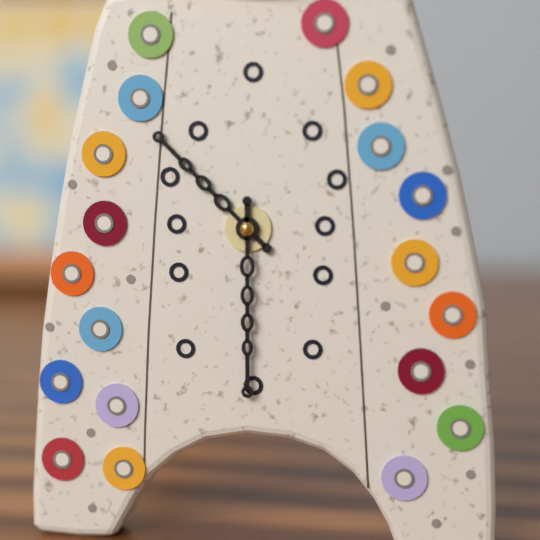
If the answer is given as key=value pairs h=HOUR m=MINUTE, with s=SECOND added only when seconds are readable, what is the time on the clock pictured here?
h=10 m=30
